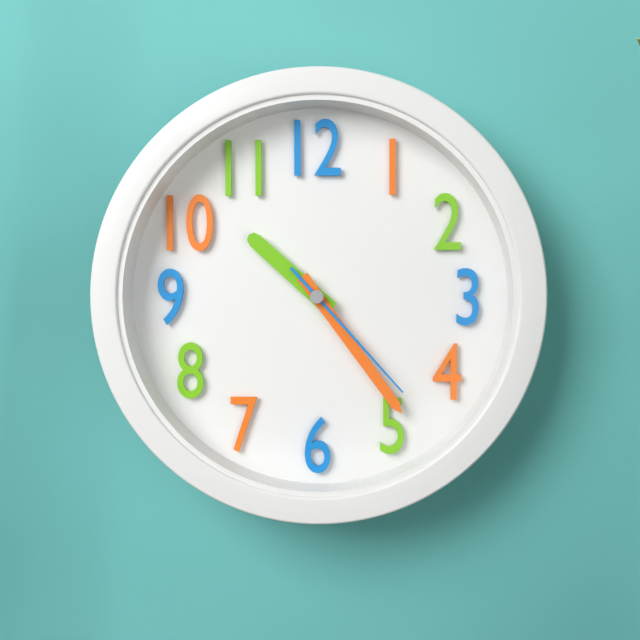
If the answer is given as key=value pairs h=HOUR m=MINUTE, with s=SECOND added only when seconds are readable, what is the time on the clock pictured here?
h=10 m=24 s=23
